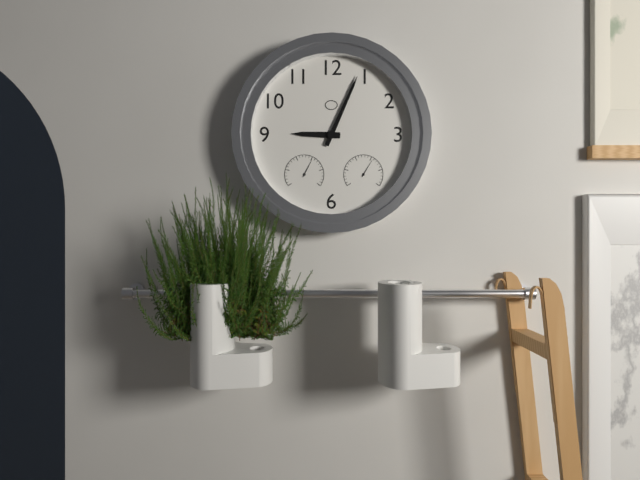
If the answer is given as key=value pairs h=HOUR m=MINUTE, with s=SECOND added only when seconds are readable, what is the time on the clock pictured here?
h=9 m=4
